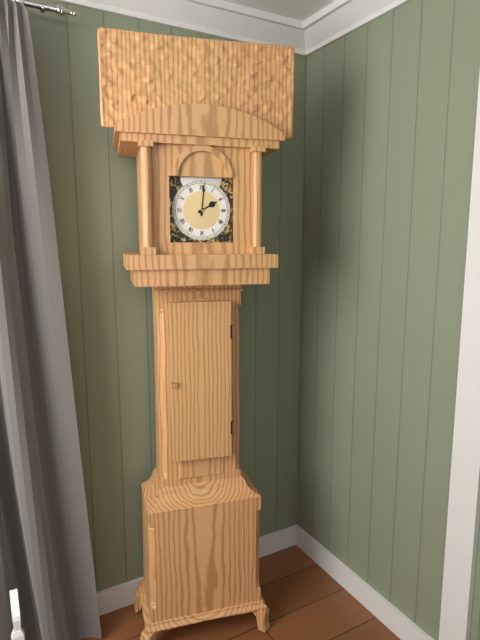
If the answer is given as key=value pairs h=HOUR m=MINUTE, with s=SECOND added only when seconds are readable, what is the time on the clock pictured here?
h=2 m=1
